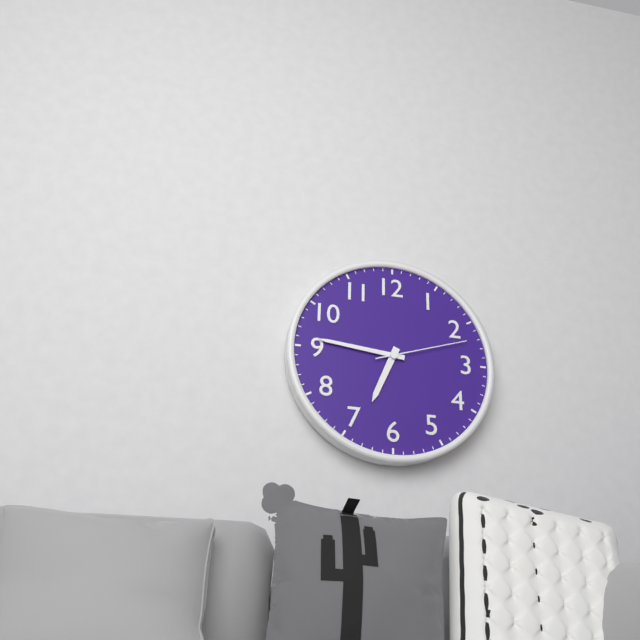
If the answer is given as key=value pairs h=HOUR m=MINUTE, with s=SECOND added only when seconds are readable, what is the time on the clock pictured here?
h=6 m=46 s=12
